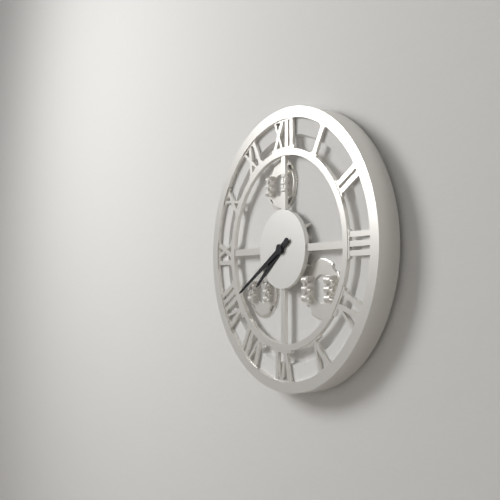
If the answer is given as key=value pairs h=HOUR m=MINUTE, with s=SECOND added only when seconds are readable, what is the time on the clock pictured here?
h=7 m=40
